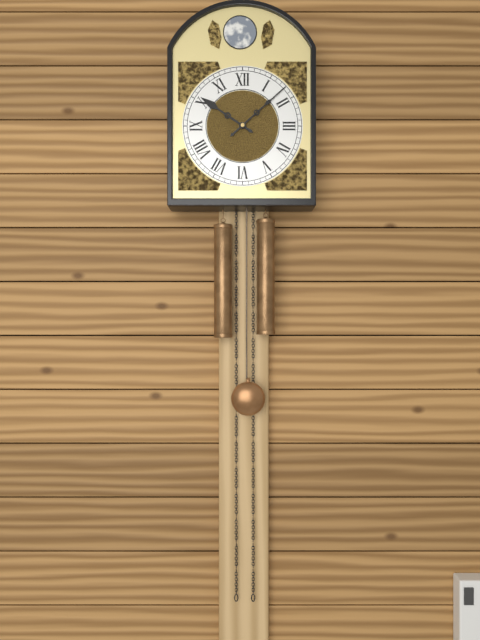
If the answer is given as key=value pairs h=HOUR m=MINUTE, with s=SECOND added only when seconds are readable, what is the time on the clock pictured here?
h=10 m=8
